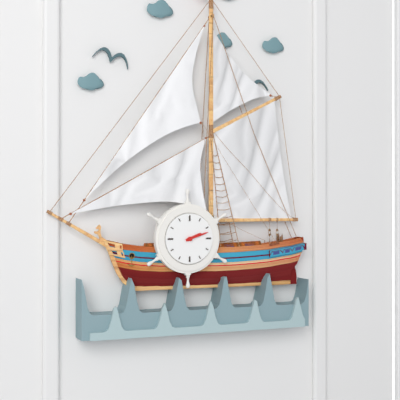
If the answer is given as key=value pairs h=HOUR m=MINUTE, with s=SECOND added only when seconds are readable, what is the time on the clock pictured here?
h=2 m=12
